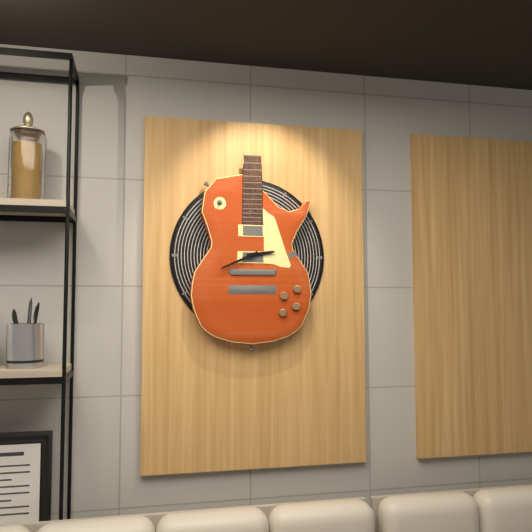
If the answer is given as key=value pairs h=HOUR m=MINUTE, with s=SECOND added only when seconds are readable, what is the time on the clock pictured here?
h=2 m=41
